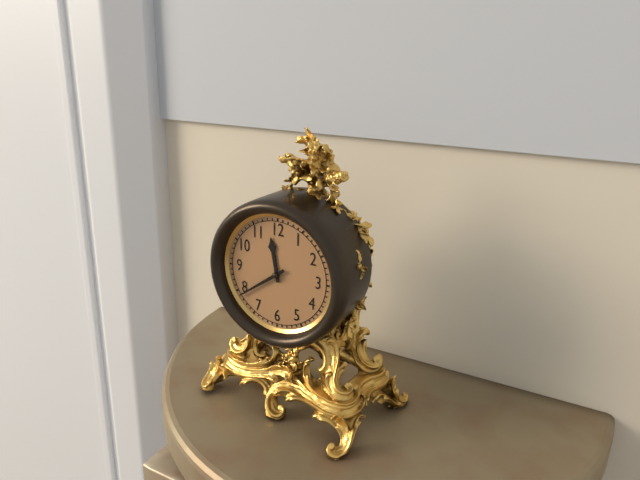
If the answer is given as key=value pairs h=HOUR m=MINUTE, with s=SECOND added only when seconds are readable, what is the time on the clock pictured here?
h=11 m=39
